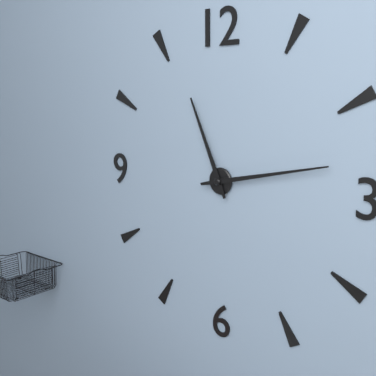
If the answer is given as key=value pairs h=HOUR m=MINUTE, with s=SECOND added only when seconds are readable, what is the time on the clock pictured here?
h=11 m=13
